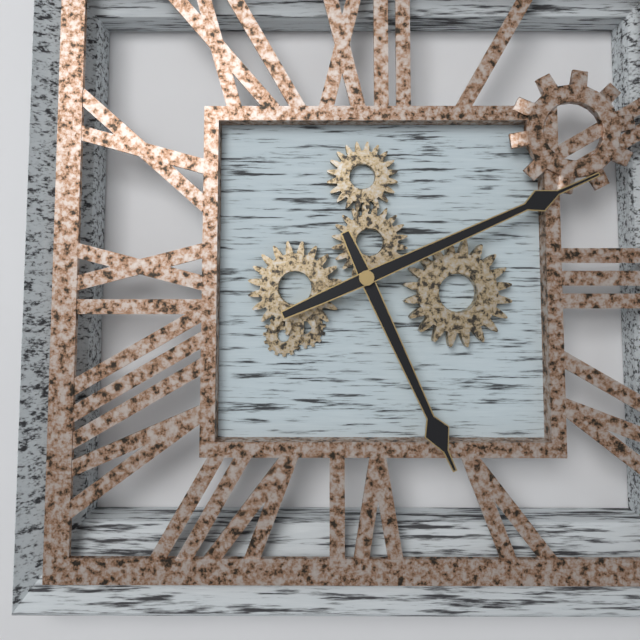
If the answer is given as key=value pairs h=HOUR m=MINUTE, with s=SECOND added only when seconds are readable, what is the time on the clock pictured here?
h=5 m=11
